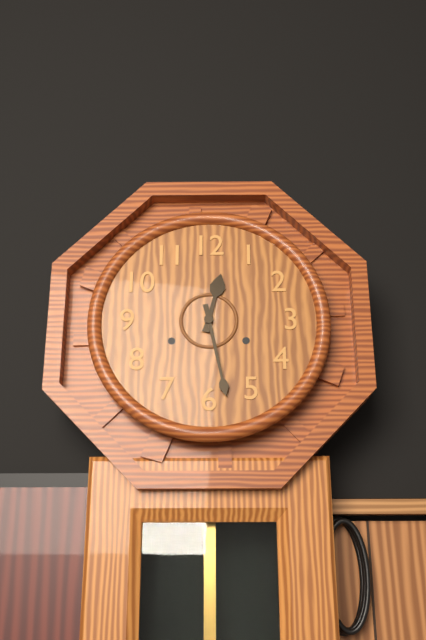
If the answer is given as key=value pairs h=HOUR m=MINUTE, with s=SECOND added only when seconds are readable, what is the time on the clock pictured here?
h=12 m=28
